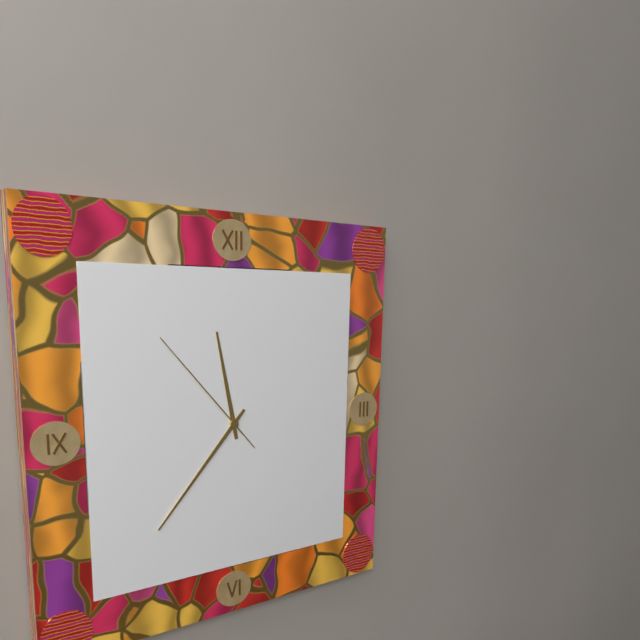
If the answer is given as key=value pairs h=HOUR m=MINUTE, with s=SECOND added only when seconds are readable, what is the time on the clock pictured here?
h=11 m=37 s=53
